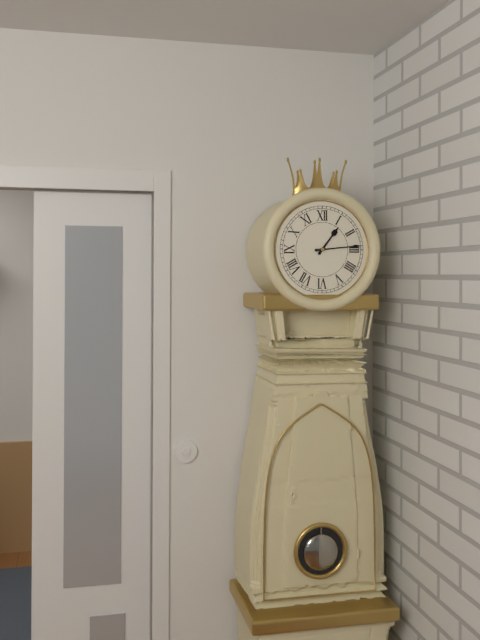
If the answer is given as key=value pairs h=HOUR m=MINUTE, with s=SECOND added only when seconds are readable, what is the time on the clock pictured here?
h=1 m=14
